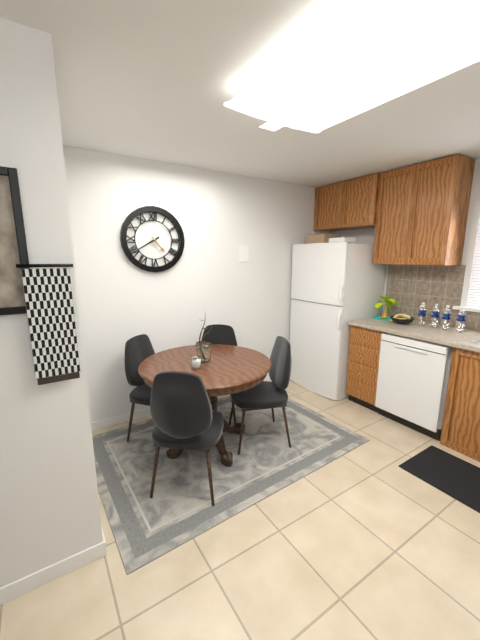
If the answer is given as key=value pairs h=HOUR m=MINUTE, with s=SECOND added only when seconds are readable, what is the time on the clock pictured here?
h=4 m=40
